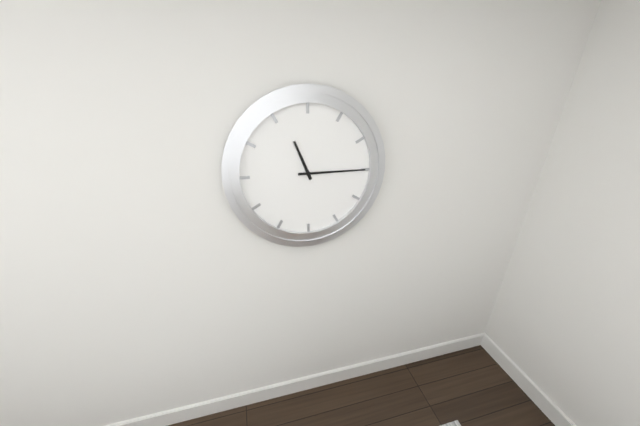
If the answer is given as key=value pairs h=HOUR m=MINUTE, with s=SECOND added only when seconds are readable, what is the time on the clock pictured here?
h=11 m=15
